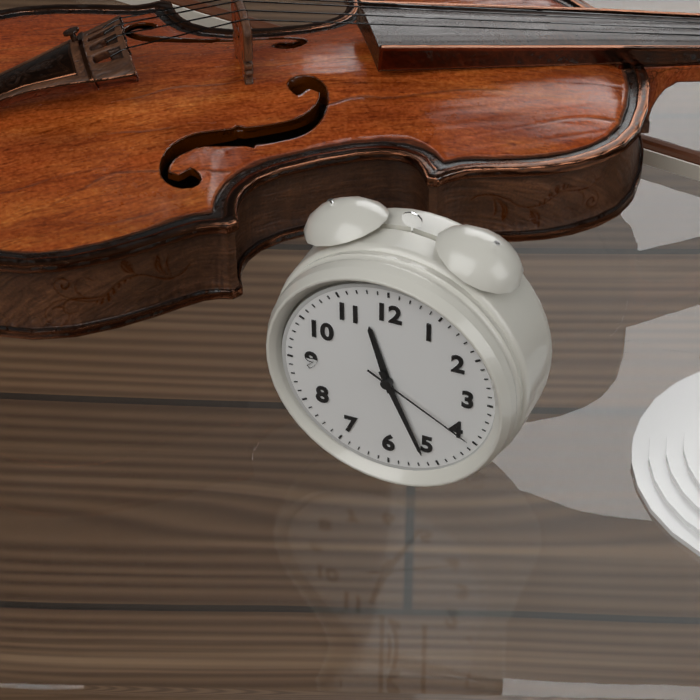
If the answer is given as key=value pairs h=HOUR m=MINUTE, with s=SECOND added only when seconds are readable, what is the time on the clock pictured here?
h=11 m=26 s=20
